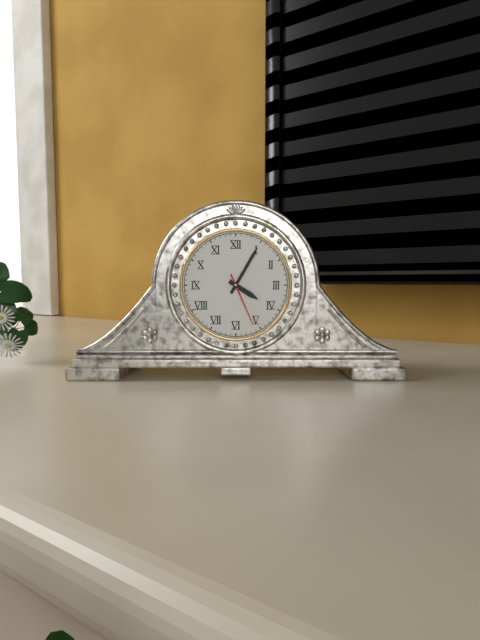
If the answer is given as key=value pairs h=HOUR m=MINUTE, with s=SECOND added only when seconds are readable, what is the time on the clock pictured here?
h=4 m=5 s=26
